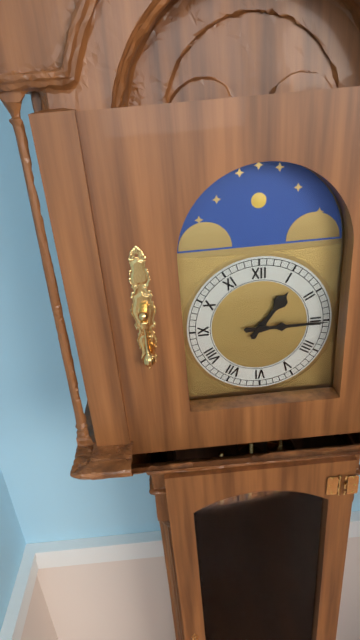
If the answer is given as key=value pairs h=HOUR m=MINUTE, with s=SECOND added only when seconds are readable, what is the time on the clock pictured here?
h=1 m=15
